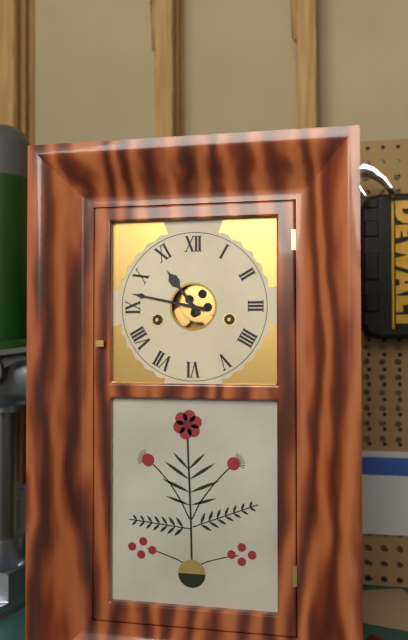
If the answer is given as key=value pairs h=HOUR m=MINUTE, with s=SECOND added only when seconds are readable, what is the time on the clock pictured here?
h=10 m=47
